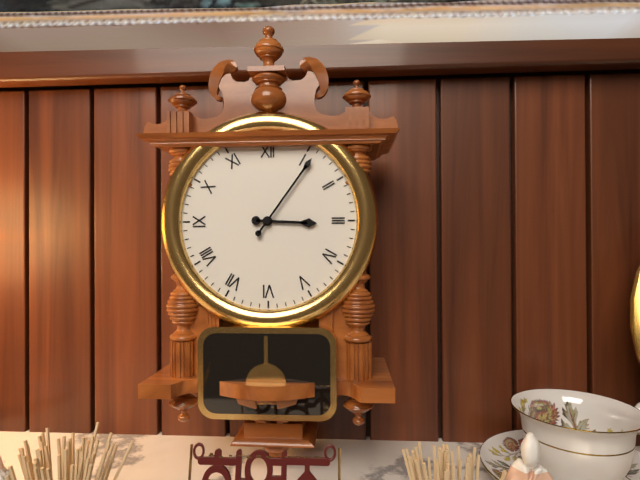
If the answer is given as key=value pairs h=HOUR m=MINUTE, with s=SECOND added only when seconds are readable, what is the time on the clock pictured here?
h=3 m=6
